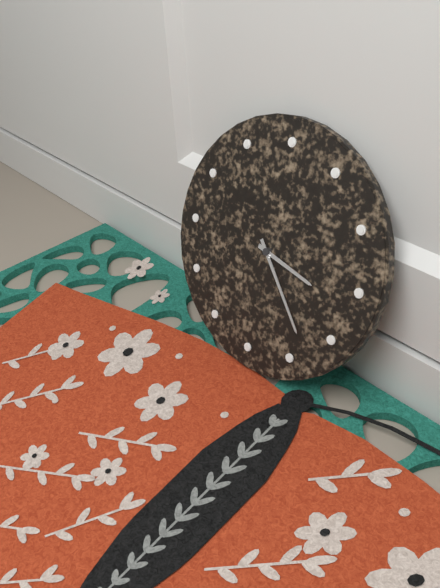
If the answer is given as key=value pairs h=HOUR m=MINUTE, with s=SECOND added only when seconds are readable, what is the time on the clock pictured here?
h=3 m=23
